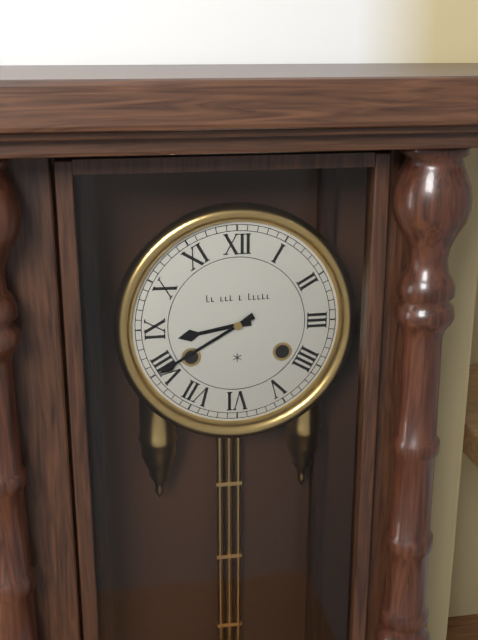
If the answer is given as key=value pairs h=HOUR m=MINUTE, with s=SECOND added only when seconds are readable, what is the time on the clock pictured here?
h=8 m=40
